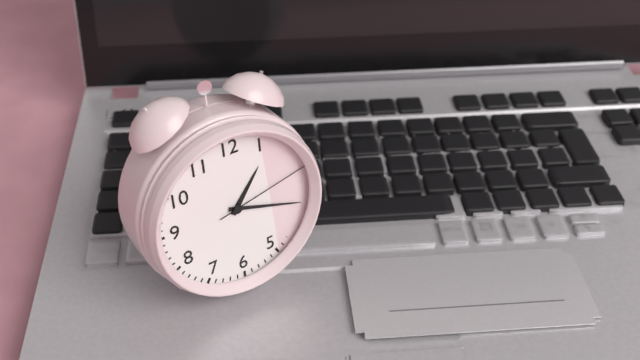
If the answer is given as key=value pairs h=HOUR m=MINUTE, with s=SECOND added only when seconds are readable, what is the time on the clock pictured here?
h=1 m=18 s=13
